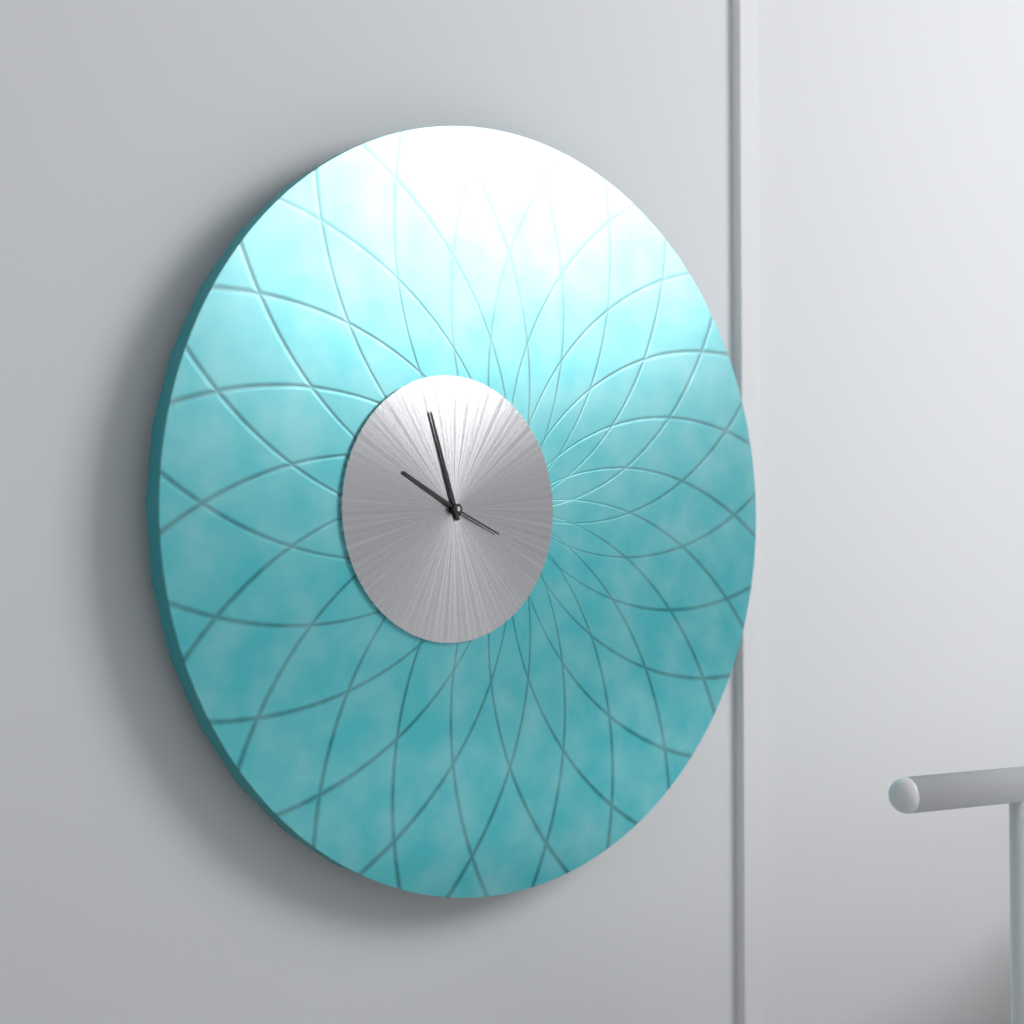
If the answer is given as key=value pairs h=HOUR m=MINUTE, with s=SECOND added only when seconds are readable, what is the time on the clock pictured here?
h=9 m=57 s=19
